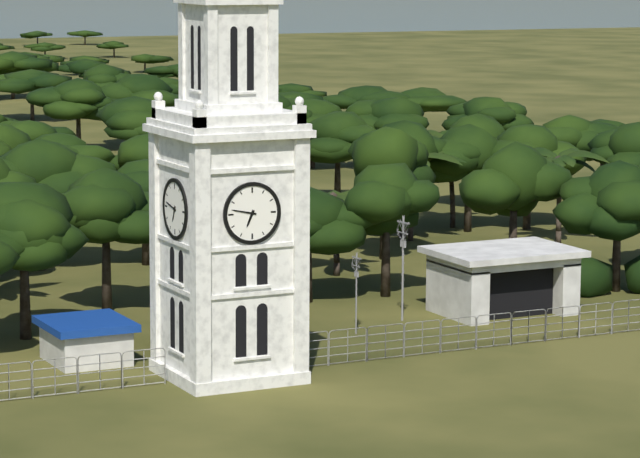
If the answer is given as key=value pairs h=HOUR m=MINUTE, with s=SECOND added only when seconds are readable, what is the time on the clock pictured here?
h=6 m=47
